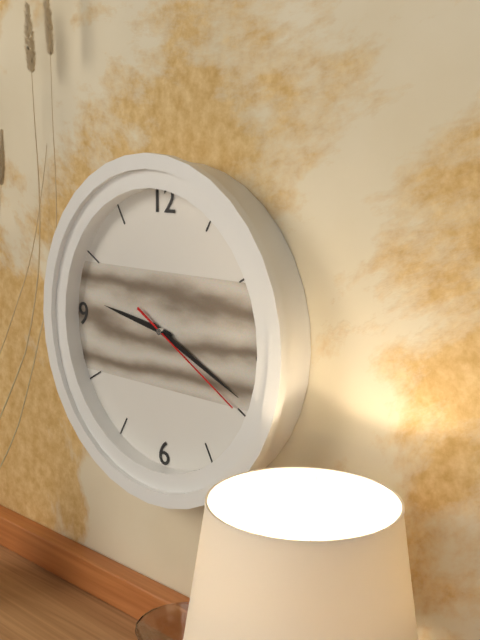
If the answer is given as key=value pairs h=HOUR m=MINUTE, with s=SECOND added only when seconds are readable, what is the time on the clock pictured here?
h=9 m=19 s=20
